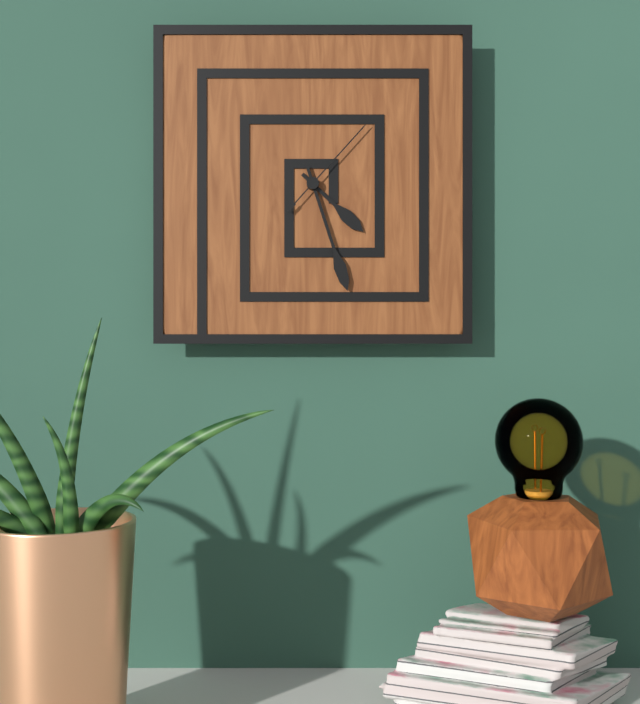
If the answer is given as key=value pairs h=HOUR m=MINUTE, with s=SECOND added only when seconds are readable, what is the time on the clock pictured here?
h=4 m=27 s=7
